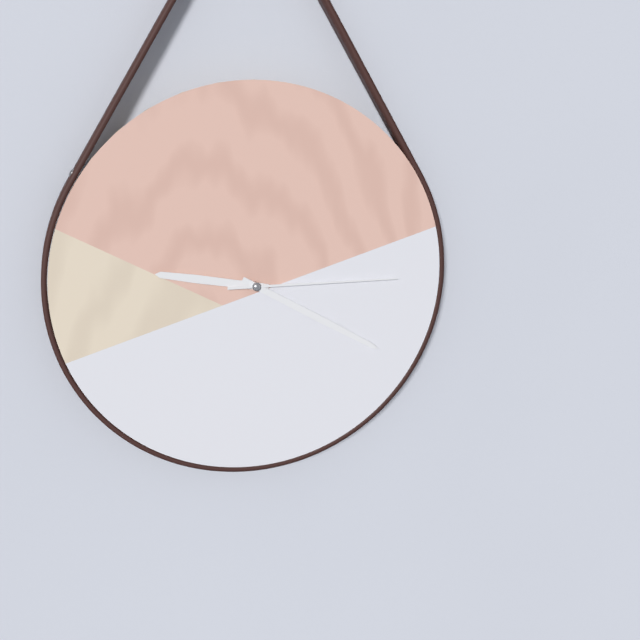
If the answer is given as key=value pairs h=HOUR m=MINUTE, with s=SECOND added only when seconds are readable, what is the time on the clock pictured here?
h=9 m=20 s=15
